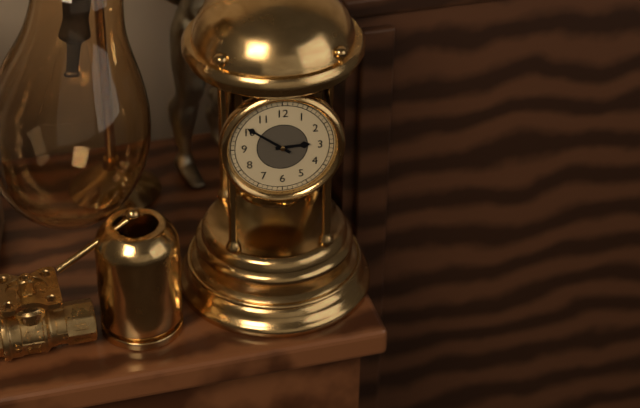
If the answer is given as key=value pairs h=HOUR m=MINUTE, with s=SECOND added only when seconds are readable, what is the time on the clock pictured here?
h=2 m=51
